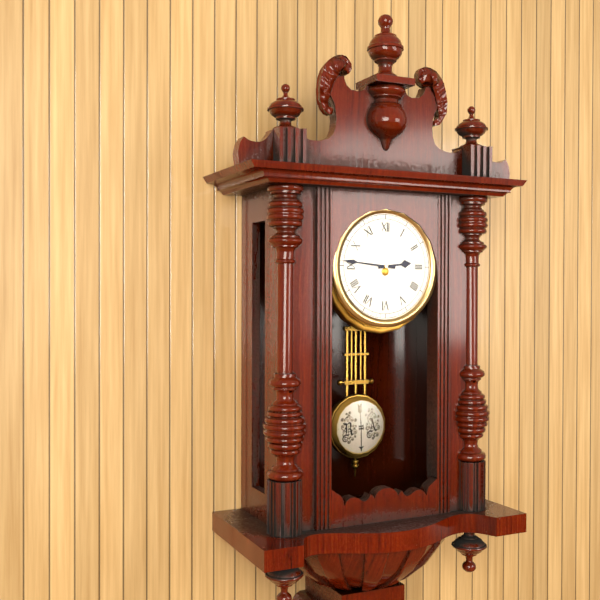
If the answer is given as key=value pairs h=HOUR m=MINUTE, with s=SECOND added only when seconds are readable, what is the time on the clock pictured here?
h=2 m=46
